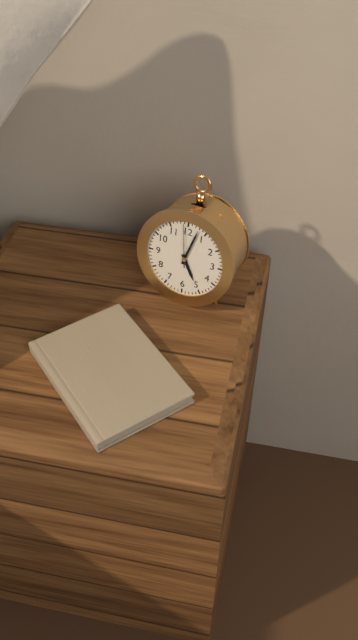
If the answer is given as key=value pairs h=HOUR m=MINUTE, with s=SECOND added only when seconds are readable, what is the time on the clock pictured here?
h=5 m=3
